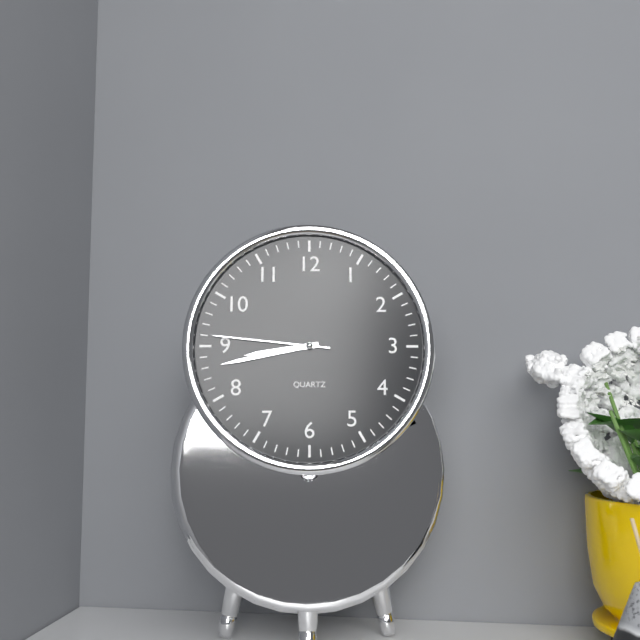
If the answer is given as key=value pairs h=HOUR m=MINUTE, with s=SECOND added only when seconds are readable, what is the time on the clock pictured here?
h=8 m=43 s=46
